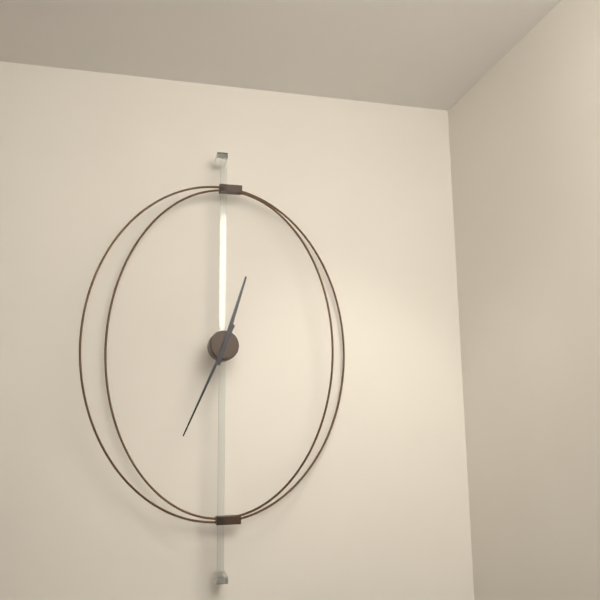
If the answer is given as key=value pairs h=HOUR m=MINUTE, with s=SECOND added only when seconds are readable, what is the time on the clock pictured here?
h=12 m=34
